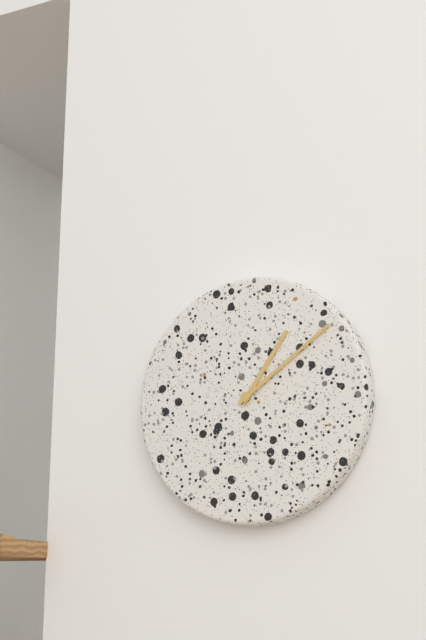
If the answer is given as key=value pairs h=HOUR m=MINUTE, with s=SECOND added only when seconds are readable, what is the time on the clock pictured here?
h=1 m=9
